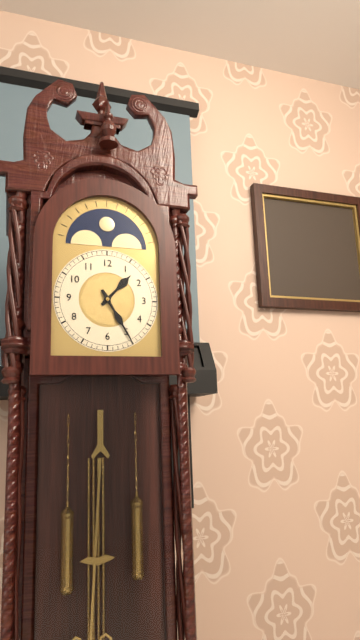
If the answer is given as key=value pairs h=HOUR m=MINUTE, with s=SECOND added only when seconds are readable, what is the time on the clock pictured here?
h=1 m=25
